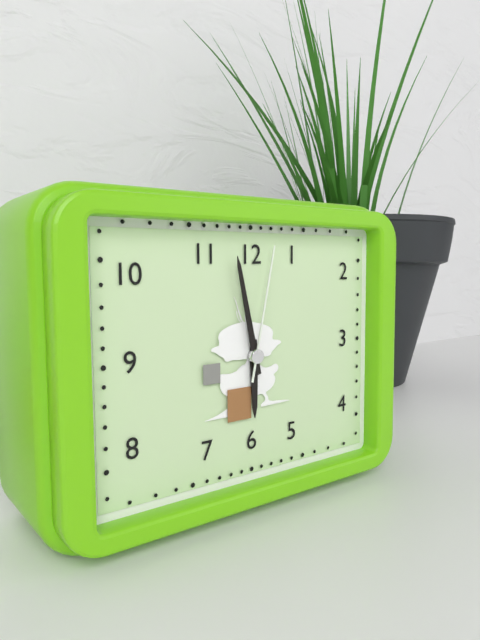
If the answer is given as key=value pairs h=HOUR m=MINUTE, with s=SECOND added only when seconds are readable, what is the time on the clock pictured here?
h=5 m=58 s=2
